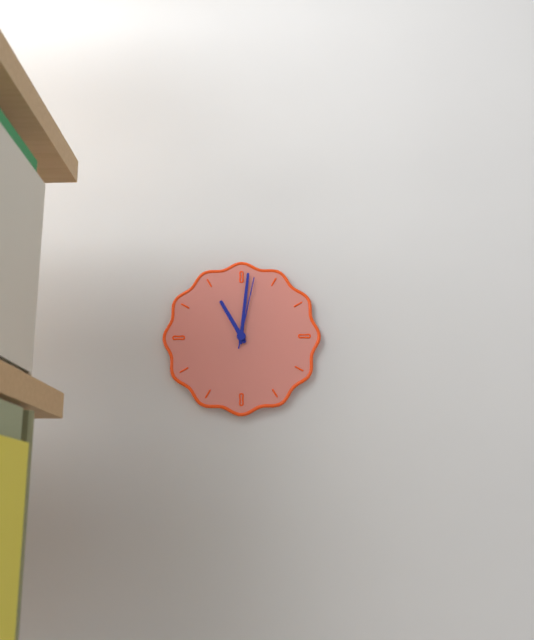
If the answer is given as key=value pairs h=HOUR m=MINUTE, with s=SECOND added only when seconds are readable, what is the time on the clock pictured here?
h=11 m=1 s=2
